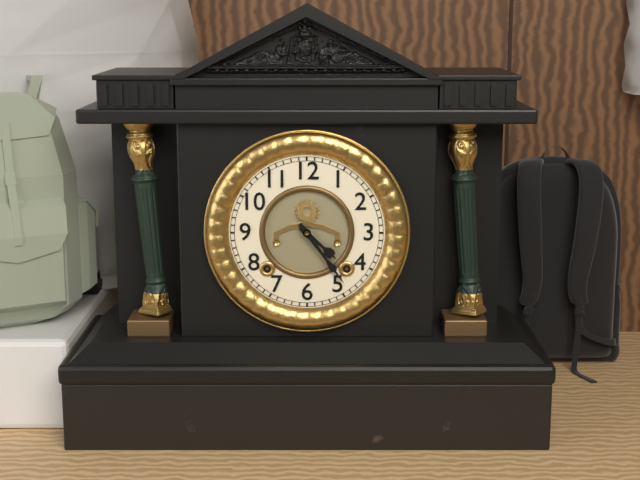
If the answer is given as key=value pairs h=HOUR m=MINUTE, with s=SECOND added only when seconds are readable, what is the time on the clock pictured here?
h=4 m=24
